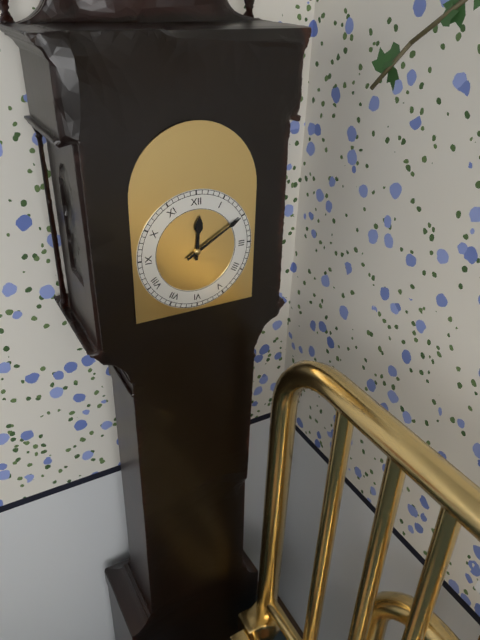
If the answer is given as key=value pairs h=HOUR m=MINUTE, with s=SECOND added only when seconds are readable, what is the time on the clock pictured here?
h=12 m=10
